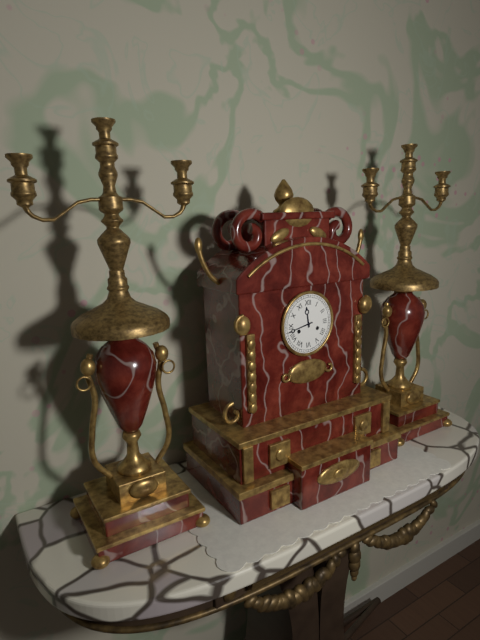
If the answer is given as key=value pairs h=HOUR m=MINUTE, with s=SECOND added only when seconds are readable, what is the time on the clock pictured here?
h=11 m=43
